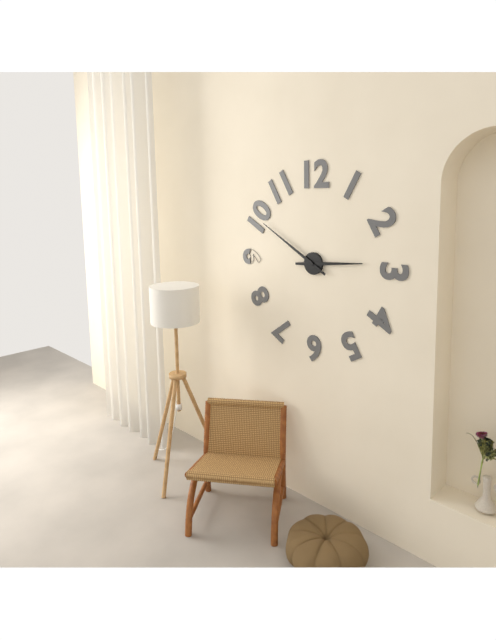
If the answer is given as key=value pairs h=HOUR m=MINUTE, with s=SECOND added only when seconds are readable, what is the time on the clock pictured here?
h=2 m=50
